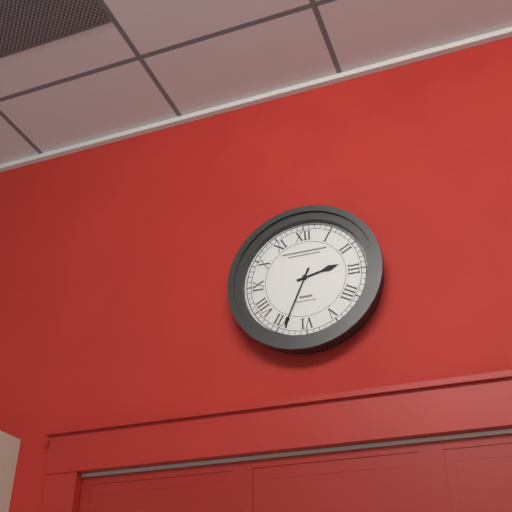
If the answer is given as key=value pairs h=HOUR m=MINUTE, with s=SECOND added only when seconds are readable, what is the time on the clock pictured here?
h=2 m=34
